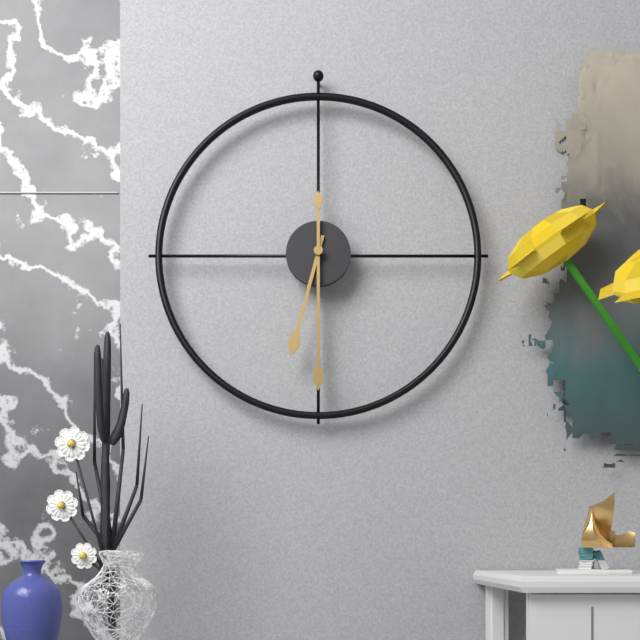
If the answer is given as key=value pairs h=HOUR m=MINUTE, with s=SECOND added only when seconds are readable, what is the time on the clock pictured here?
h=6 m=30
